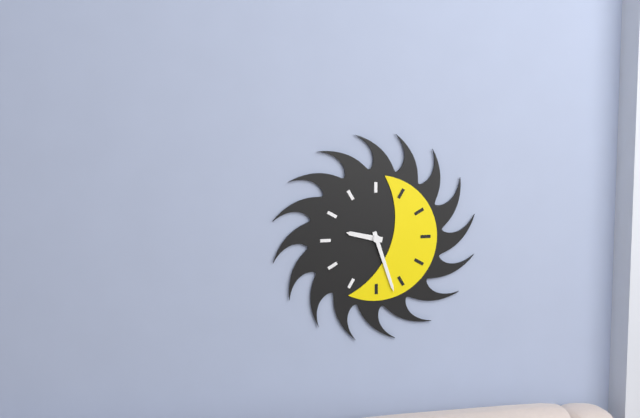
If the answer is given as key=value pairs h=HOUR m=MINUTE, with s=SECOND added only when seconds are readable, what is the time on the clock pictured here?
h=9 m=27
